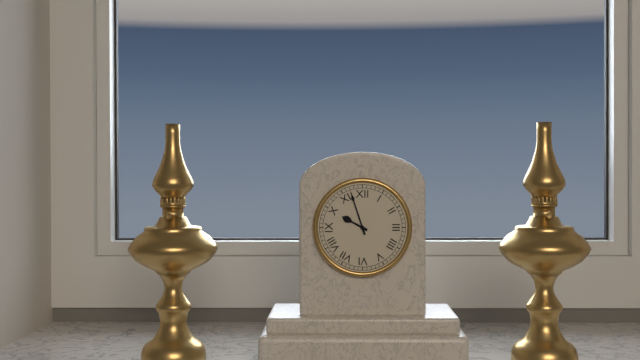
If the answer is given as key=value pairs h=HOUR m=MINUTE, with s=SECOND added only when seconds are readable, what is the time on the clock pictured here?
h=9 m=57
